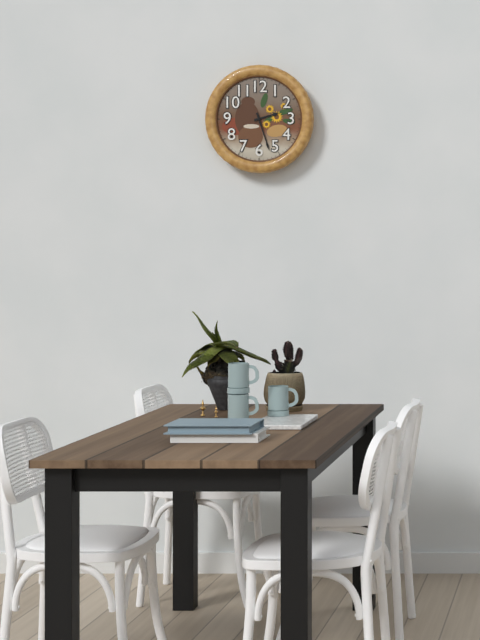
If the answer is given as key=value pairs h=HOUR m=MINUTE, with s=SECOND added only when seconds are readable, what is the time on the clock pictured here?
h=2 m=27
